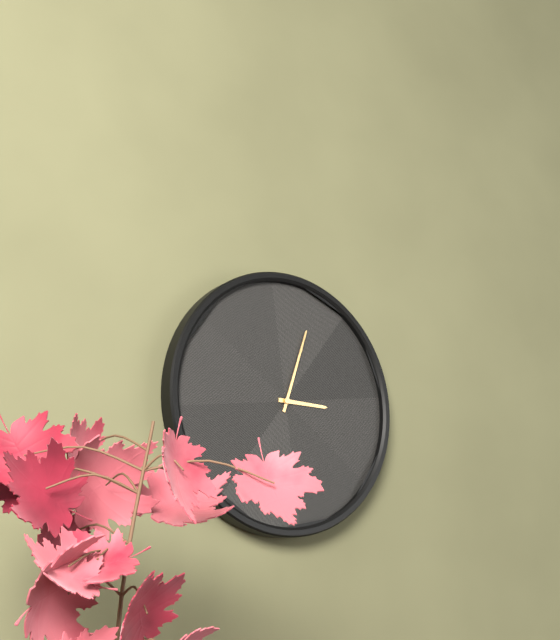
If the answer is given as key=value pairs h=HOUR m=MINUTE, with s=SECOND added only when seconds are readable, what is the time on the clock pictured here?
h=3 m=3
